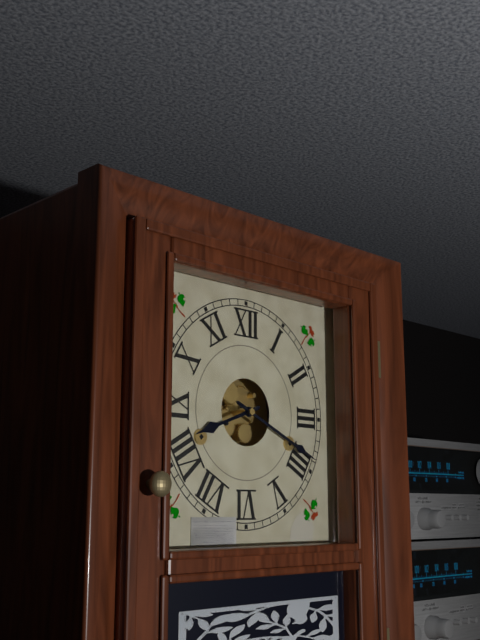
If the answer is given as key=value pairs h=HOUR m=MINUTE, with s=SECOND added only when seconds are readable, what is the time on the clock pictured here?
h=8 m=19
